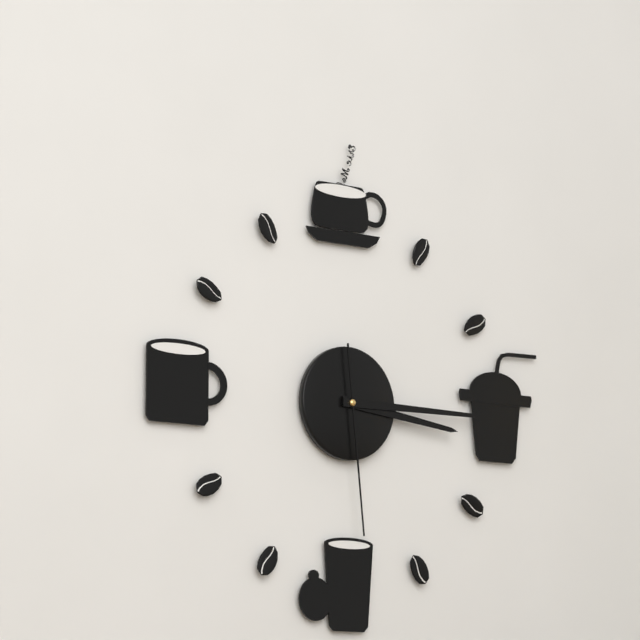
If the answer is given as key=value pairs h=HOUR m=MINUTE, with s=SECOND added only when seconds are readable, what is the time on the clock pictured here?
h=3 m=15 s=29
